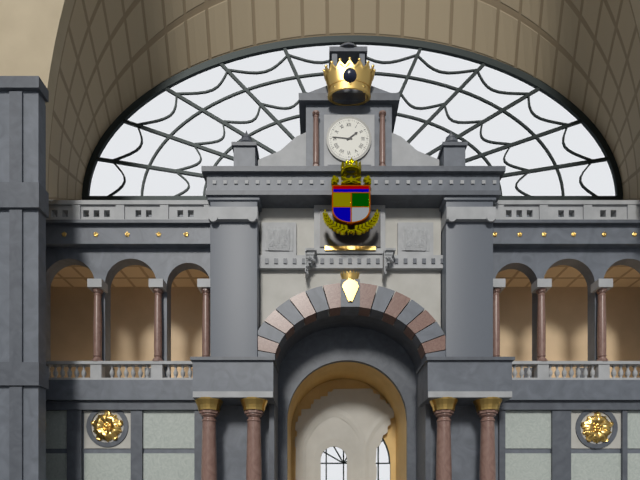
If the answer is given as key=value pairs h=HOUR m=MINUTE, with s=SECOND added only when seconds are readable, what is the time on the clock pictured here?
h=1 m=46
